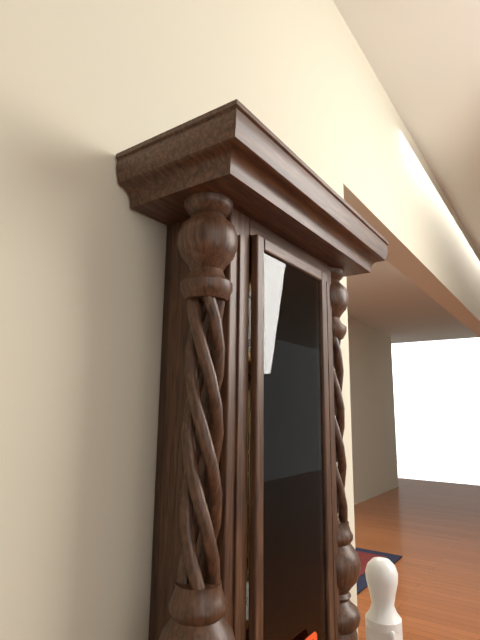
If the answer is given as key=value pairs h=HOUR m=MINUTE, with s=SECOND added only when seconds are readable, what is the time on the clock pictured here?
h=2 m=24
